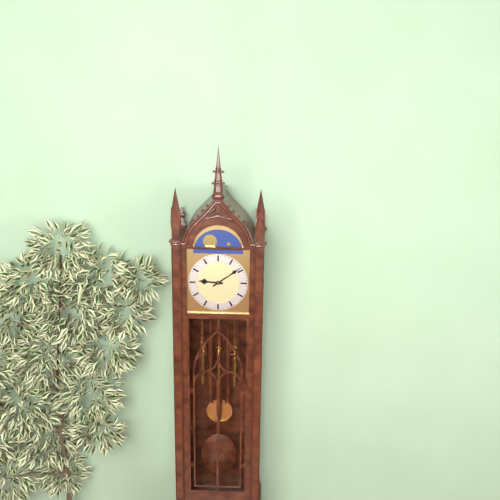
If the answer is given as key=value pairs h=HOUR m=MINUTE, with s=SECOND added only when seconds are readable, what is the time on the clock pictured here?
h=9 m=9
